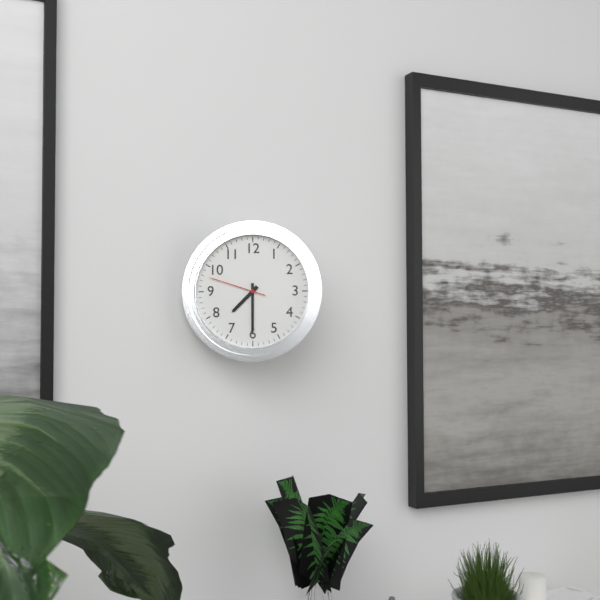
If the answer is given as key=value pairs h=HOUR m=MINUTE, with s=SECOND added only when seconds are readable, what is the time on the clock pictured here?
h=7 m=30 s=48
